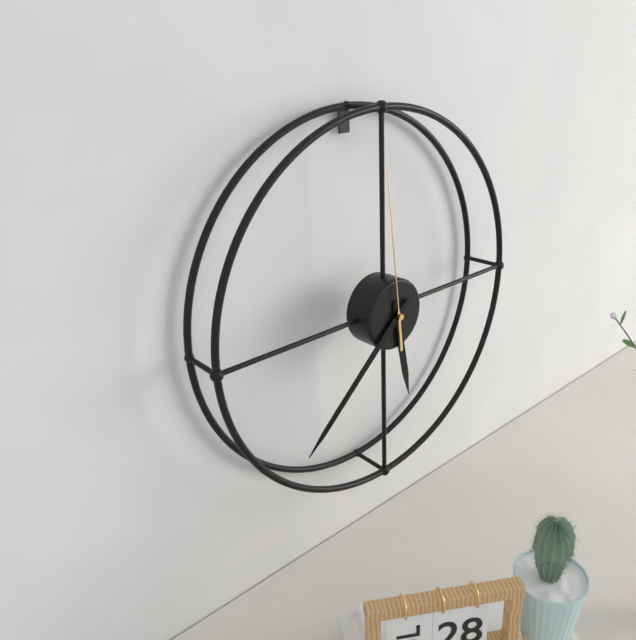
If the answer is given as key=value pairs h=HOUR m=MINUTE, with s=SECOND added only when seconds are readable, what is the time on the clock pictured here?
h=5 m=38 s=59
